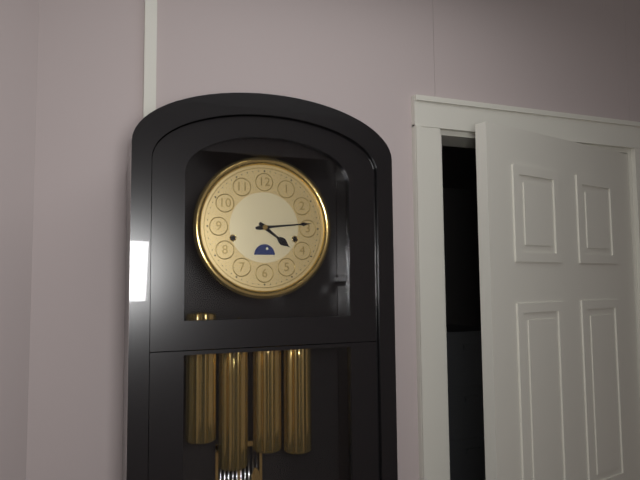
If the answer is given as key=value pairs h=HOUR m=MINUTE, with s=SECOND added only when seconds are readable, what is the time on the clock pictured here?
h=4 m=14
